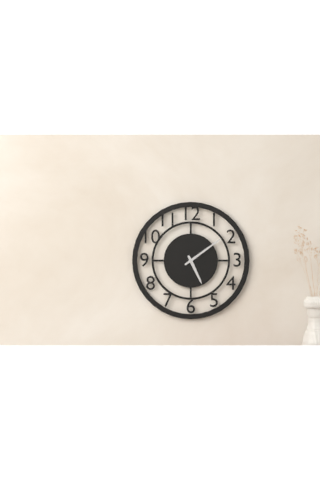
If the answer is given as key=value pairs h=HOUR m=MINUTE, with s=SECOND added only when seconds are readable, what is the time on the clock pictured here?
h=5 m=9
